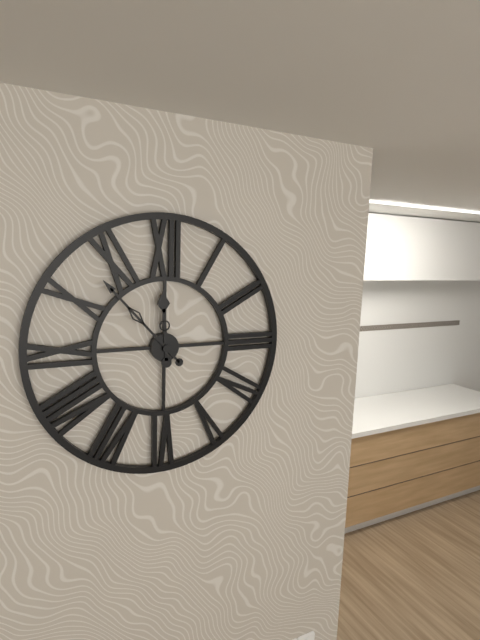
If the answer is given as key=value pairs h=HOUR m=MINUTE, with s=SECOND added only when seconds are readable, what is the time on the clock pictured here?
h=11 m=53
